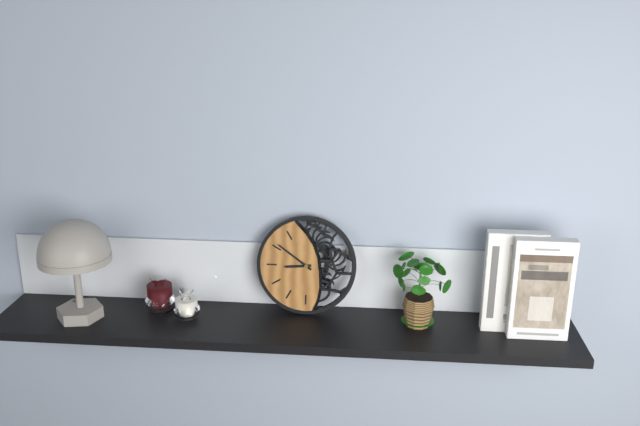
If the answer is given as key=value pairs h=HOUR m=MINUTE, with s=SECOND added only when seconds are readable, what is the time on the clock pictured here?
h=8 m=51
